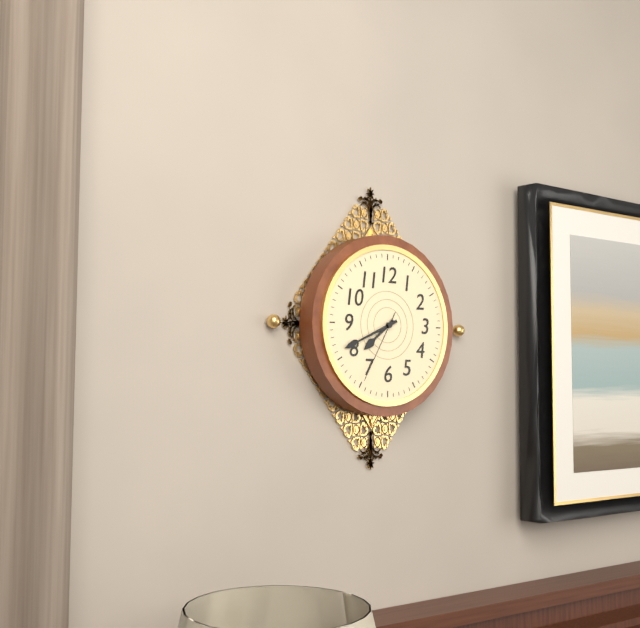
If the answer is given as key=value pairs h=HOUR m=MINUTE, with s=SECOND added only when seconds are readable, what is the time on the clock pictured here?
h=7 m=41 s=35
